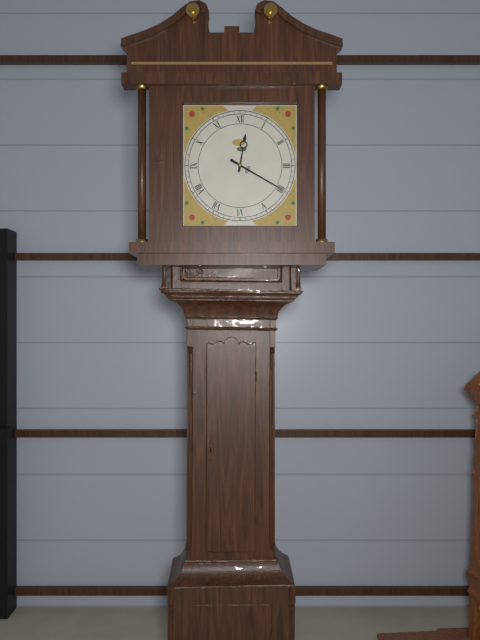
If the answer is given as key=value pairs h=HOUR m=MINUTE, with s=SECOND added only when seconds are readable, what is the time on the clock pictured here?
h=12 m=20
